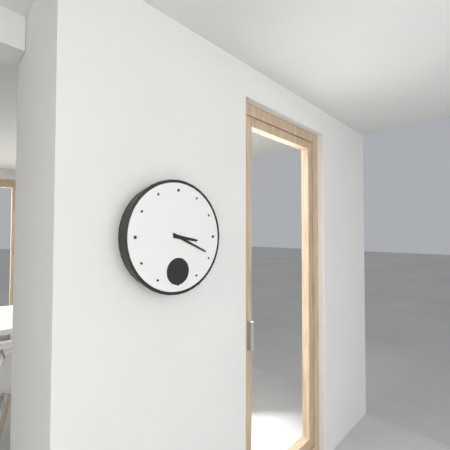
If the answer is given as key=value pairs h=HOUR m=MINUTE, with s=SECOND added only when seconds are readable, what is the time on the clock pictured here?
h=3 m=19
